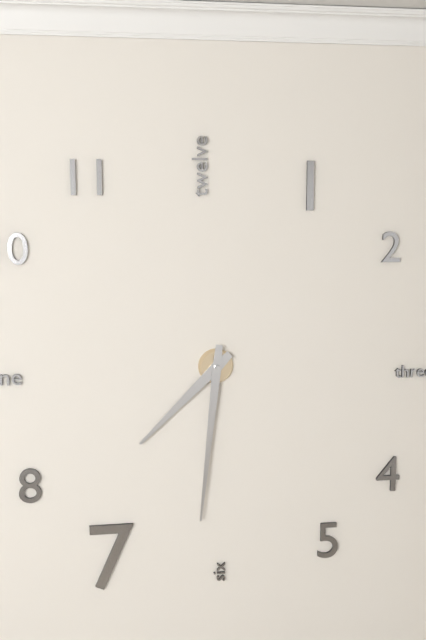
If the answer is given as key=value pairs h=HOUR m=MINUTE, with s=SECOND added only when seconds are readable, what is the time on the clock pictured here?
h=7 m=31
